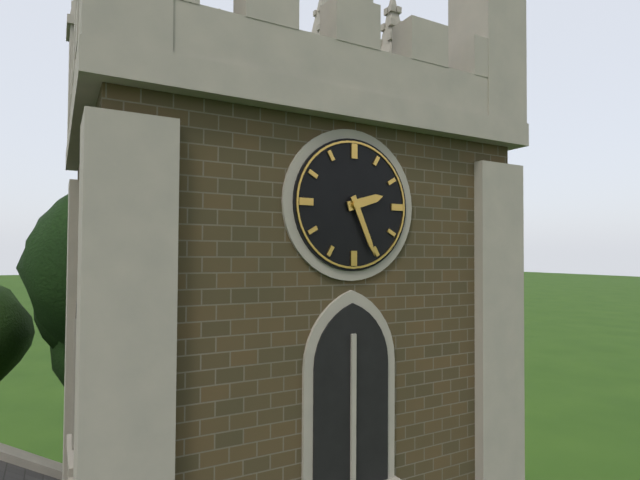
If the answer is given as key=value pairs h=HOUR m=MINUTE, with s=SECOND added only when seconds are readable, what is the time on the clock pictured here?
h=2 m=26
